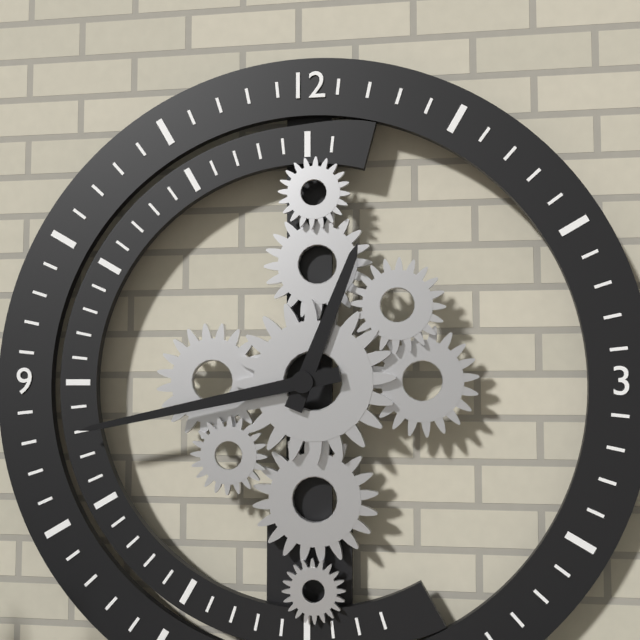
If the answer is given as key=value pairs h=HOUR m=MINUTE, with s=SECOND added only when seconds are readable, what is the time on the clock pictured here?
h=12 m=43
